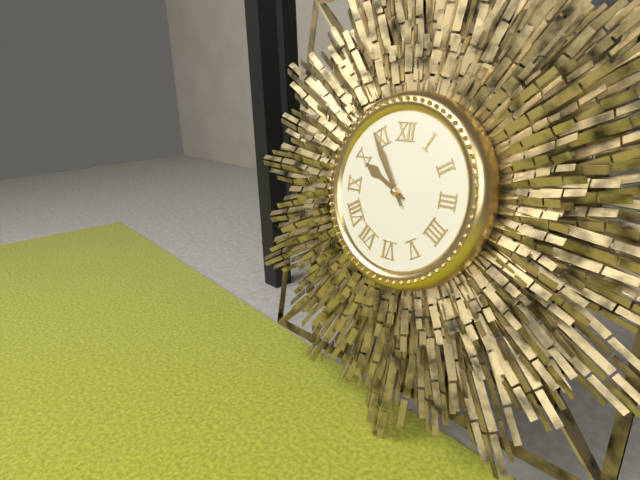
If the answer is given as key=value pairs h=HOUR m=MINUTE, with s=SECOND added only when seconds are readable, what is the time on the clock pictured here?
h=9 m=54
